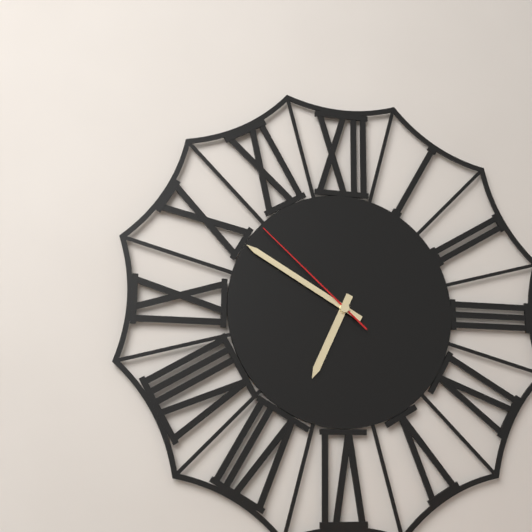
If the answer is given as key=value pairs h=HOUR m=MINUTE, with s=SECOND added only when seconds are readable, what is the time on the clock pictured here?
h=6 m=50 s=52
